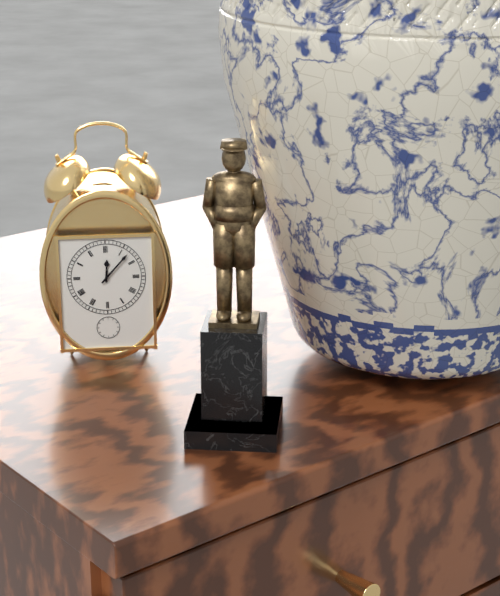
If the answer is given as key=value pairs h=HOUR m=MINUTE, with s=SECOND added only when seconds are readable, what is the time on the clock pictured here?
h=12 m=7
